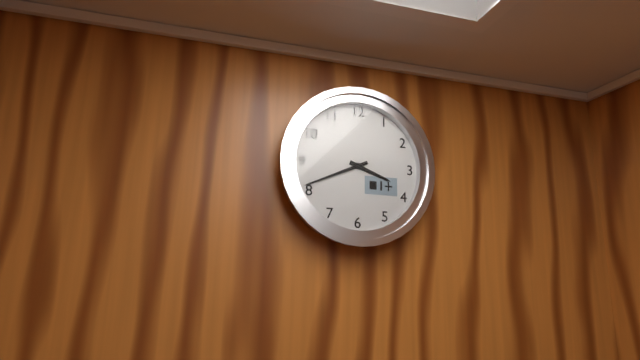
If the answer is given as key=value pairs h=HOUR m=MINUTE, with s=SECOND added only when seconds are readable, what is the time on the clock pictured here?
h=3 m=41
